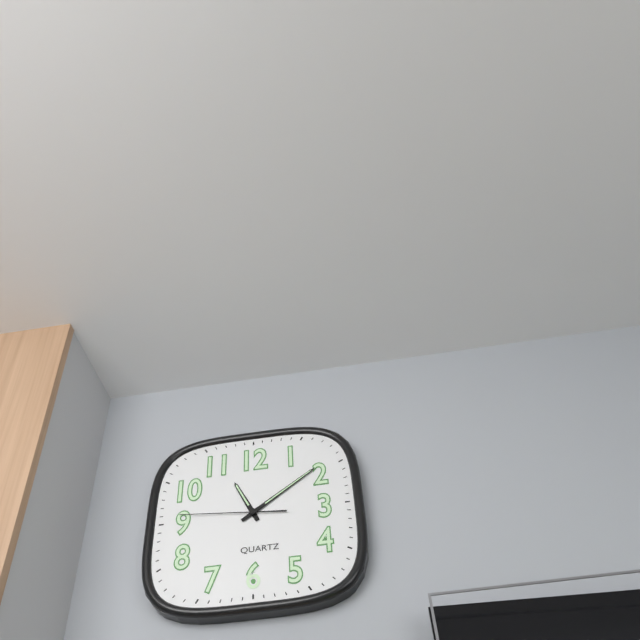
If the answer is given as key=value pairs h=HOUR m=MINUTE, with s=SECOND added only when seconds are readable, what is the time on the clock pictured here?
h=11 m=9 s=46
